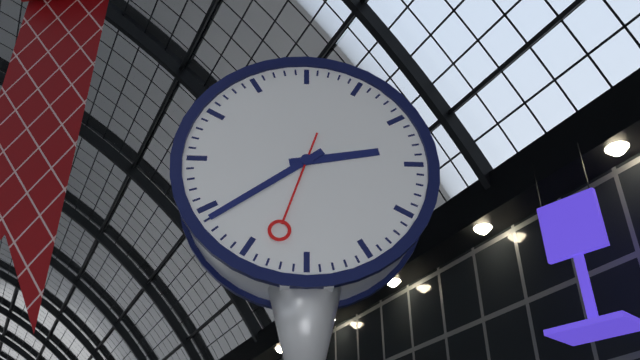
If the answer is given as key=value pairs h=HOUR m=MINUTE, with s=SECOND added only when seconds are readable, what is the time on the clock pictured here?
h=2 m=39 s=33
